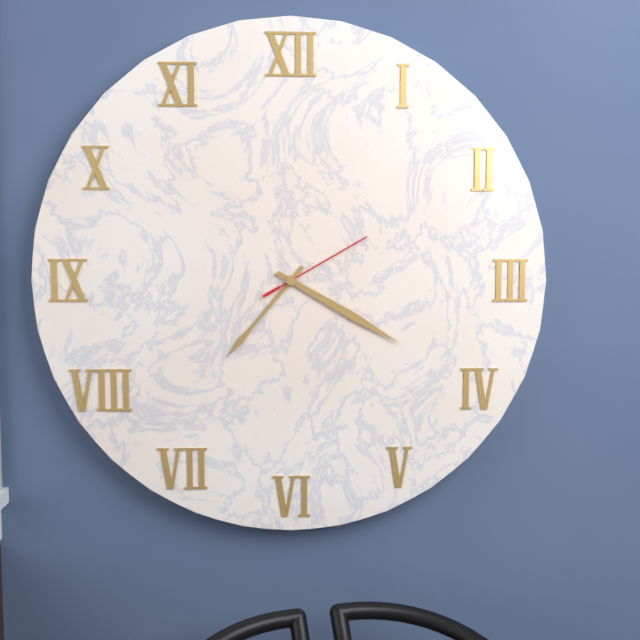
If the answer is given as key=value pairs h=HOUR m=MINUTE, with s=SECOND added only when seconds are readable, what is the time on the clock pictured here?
h=7 m=20 s=10
